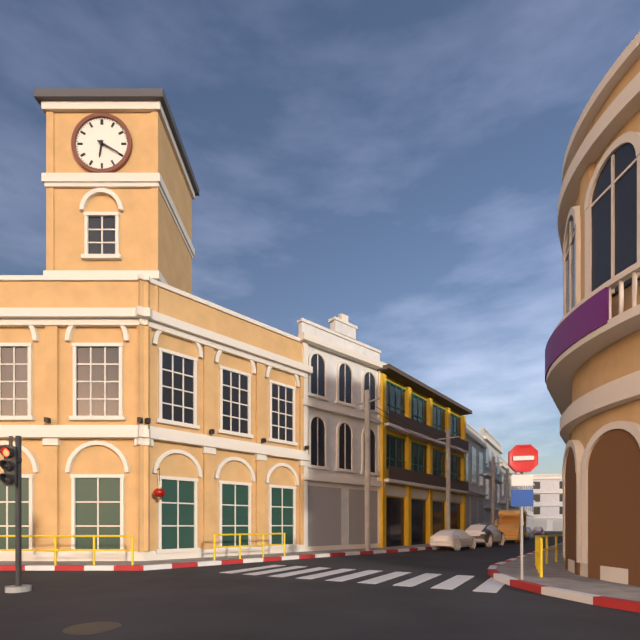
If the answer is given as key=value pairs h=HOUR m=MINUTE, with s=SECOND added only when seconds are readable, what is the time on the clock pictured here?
h=6 m=20
